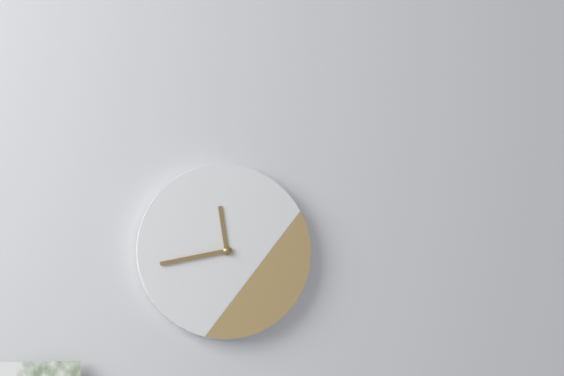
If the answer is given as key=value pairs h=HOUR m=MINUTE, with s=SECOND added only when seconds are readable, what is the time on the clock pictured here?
h=11 m=43
